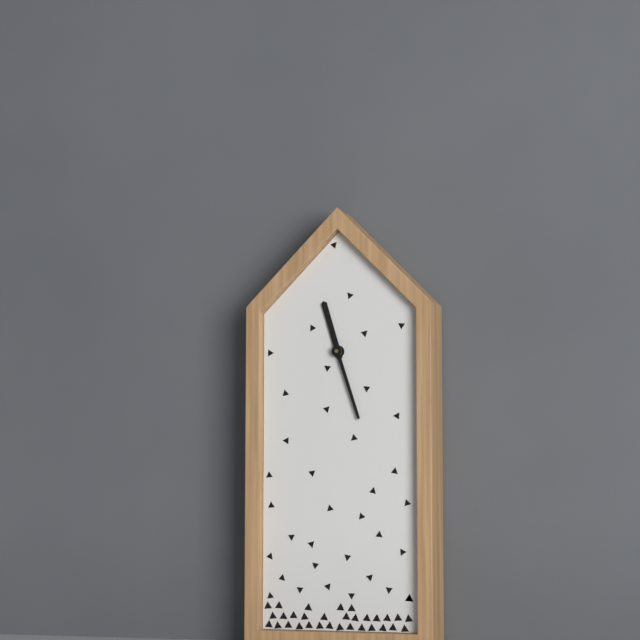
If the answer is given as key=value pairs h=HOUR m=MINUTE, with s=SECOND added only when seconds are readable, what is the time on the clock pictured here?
h=11 m=27
